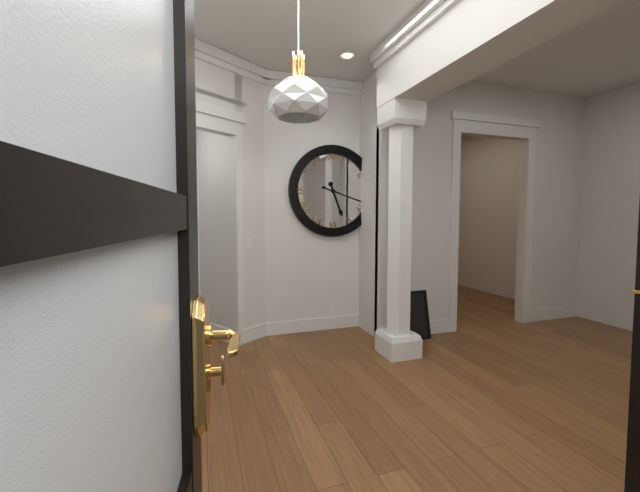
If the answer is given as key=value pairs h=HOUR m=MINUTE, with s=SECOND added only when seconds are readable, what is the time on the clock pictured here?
h=5 m=18
